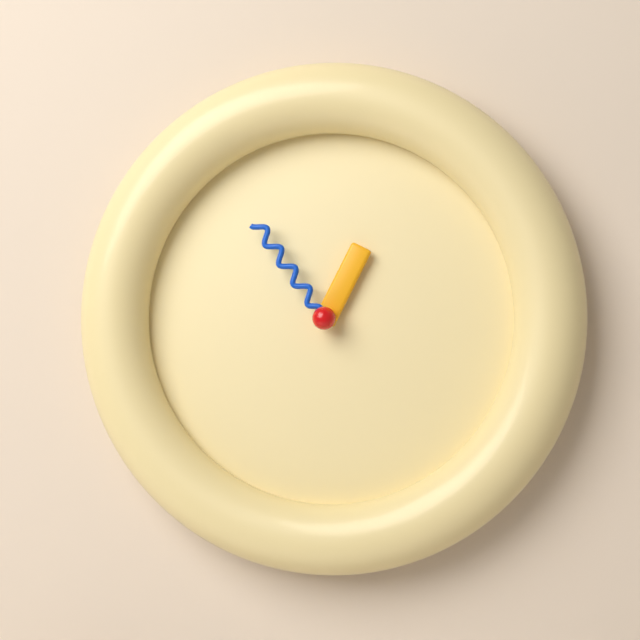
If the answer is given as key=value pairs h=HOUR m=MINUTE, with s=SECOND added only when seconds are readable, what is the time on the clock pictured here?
h=12 m=54
